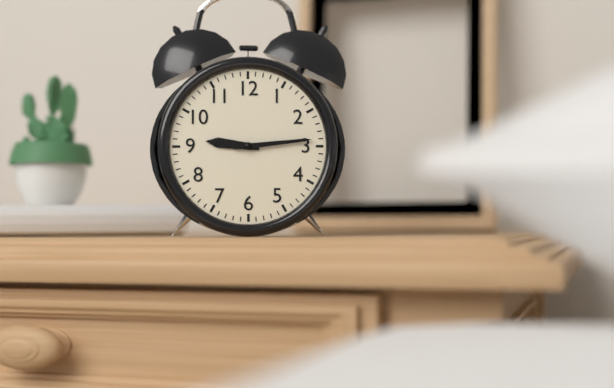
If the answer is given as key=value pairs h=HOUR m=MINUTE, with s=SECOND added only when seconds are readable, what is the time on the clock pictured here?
h=9 m=14
